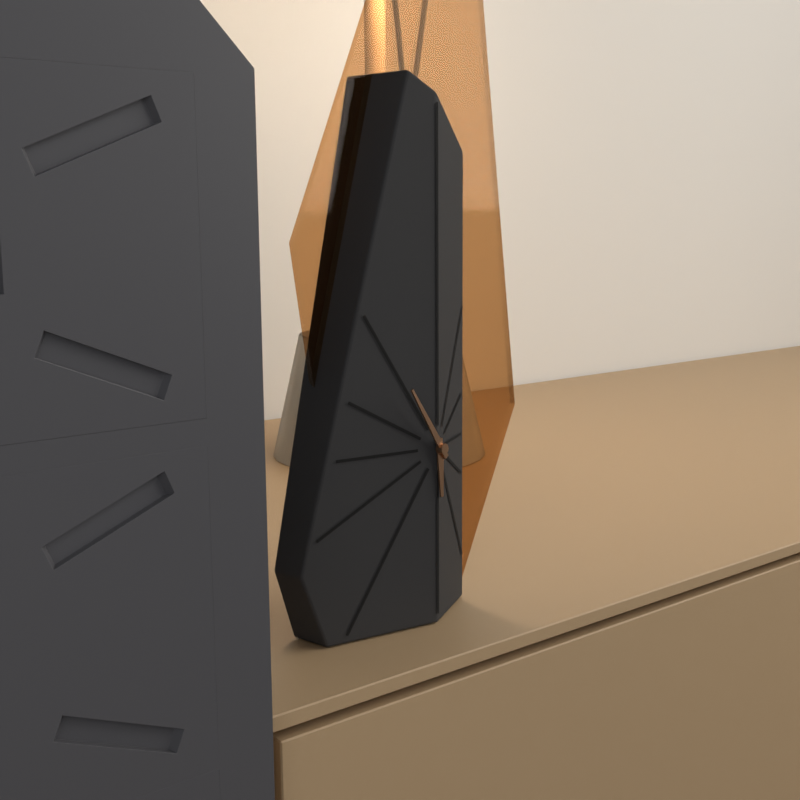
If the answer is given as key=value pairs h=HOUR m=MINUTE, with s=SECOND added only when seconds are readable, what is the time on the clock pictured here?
h=5 m=54
